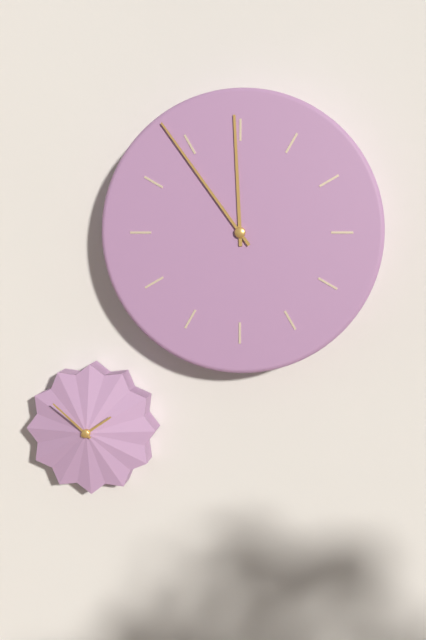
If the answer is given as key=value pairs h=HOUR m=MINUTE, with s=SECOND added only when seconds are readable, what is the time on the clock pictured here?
h=11 m=54
